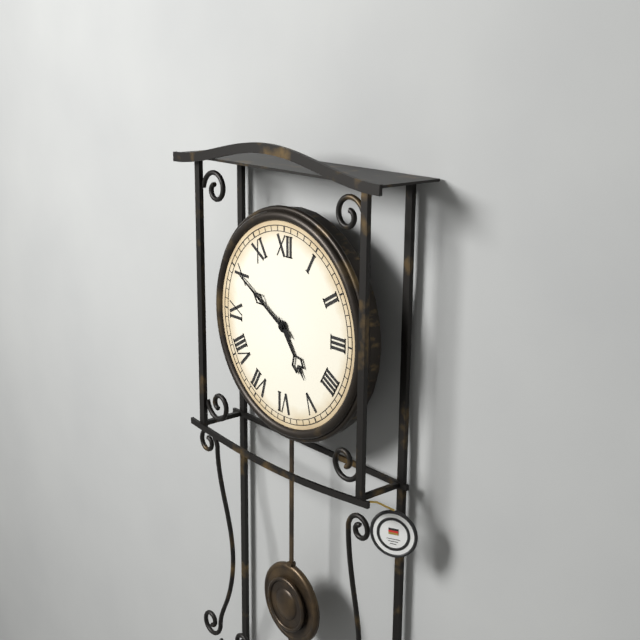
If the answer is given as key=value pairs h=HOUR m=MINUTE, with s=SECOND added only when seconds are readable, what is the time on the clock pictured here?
h=4 m=50
